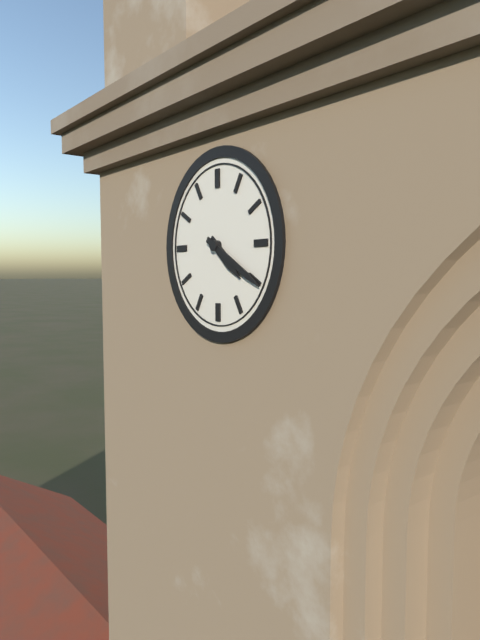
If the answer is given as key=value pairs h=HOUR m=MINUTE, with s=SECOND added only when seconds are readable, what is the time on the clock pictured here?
h=4 m=20
